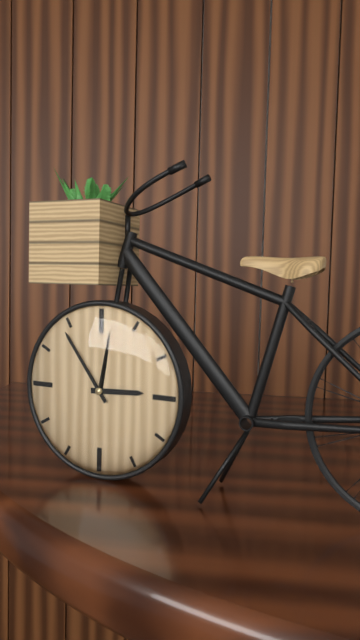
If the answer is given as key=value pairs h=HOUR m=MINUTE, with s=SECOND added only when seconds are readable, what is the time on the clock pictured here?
h=2 m=54
